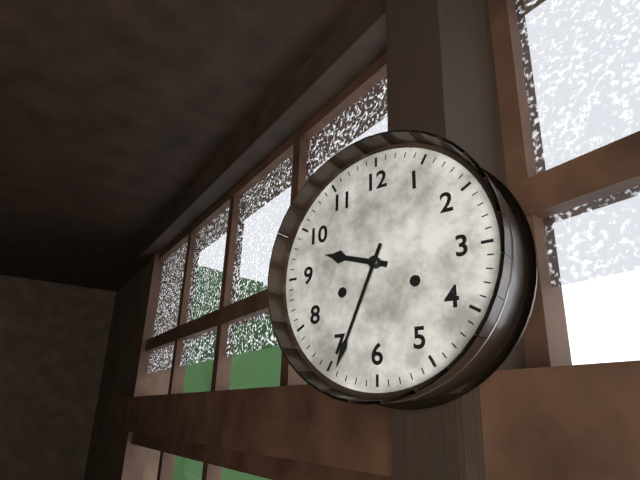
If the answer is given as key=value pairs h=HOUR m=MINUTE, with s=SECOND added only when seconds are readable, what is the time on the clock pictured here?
h=9 m=34
